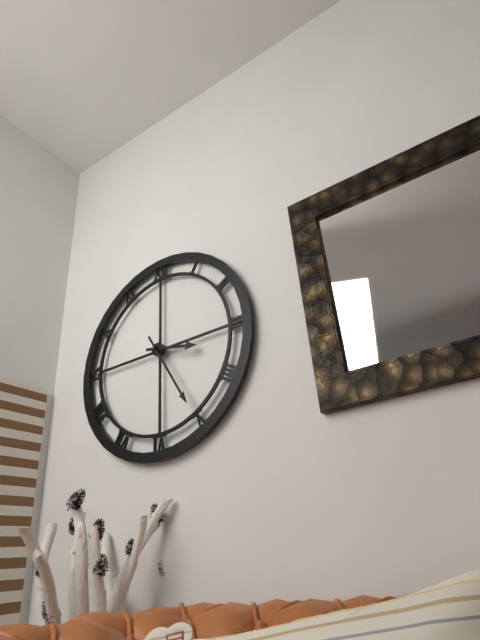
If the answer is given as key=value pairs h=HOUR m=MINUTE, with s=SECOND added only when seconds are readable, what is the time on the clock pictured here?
h=3 m=25
